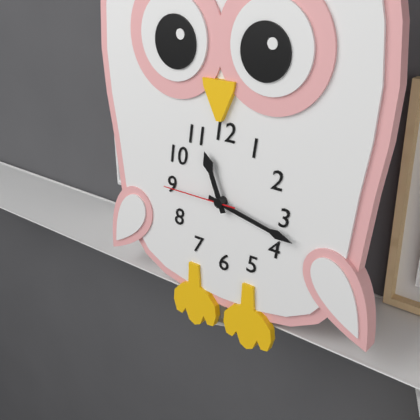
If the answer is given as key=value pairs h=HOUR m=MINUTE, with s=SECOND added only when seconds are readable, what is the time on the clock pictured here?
h=11 m=17 s=45
